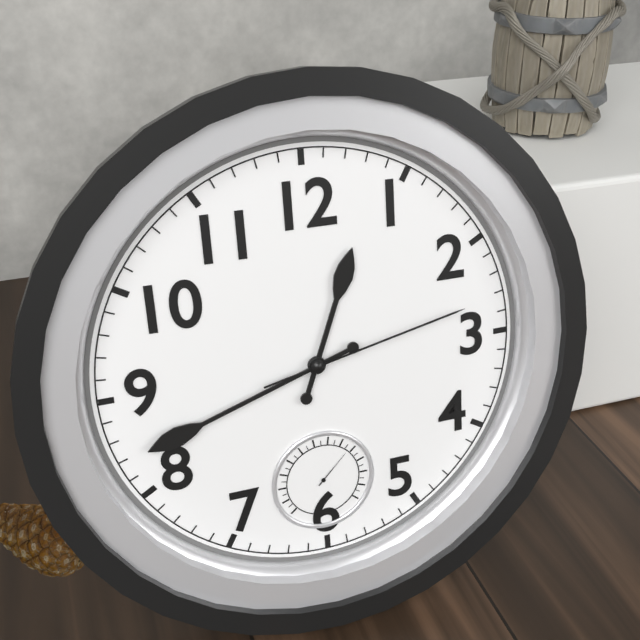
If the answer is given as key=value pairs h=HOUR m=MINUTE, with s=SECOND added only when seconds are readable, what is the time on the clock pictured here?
h=12 m=42 s=13
